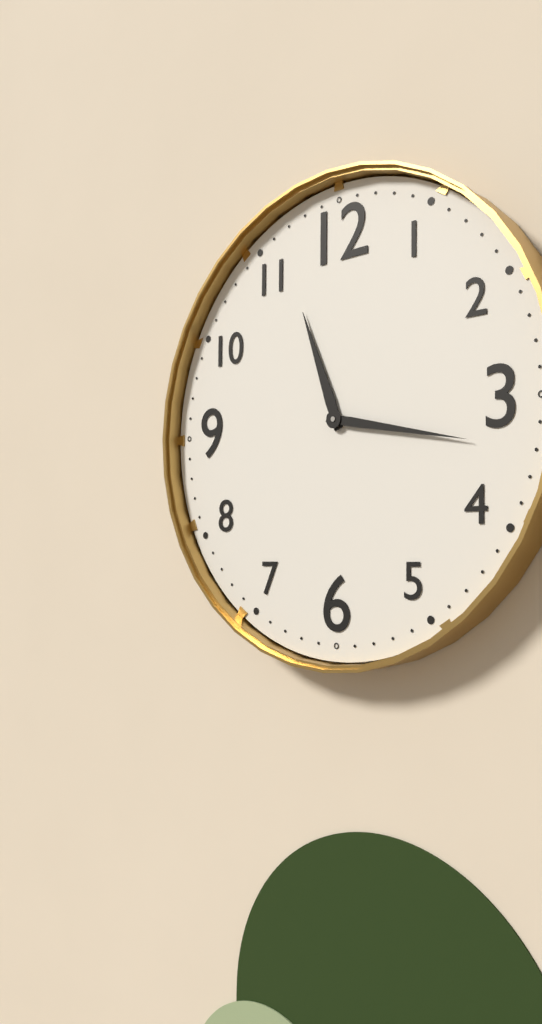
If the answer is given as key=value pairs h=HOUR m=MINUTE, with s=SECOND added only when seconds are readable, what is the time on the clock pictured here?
h=11 m=17
